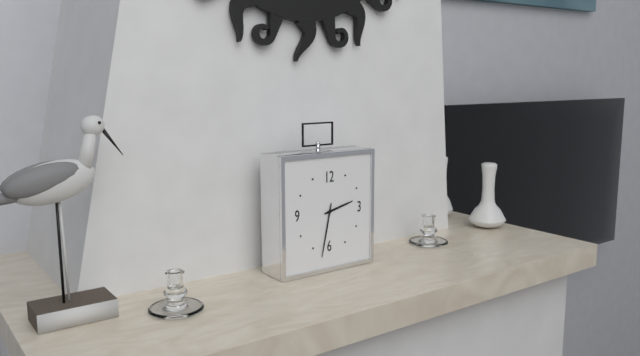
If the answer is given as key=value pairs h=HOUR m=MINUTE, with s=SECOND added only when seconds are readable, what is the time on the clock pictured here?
h=2 m=32
